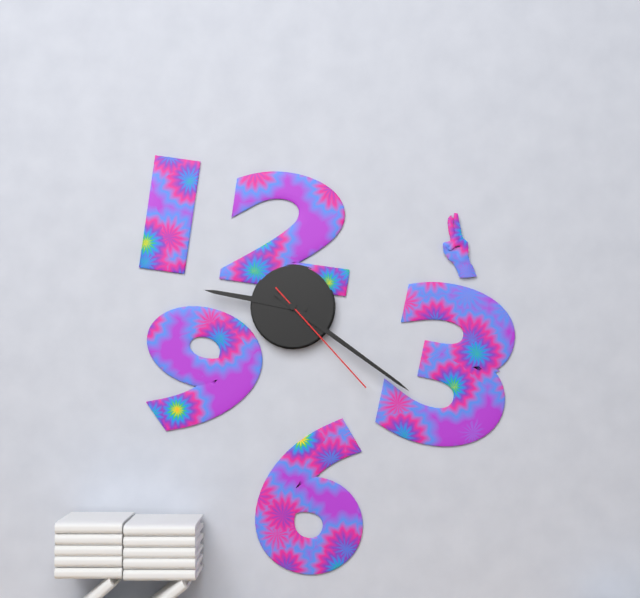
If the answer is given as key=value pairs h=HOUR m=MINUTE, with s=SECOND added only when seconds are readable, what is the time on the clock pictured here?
h=9 m=21 s=23
